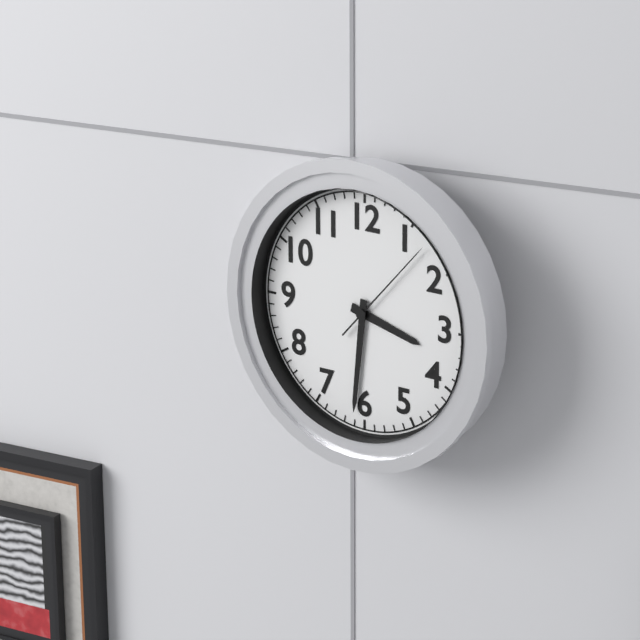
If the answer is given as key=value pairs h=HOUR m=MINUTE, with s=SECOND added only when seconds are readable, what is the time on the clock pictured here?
h=3 m=31 s=7
